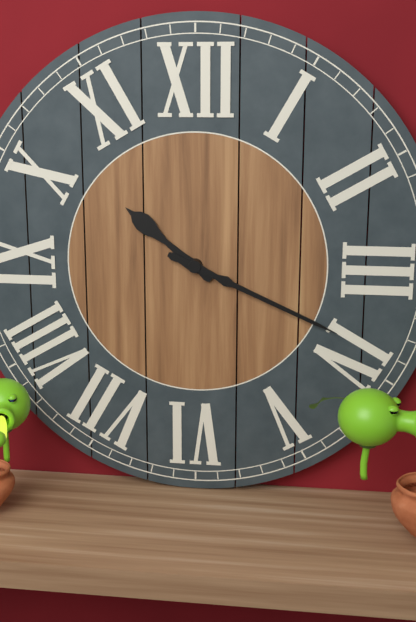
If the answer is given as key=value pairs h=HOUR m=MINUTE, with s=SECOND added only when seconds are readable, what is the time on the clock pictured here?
h=10 m=19
